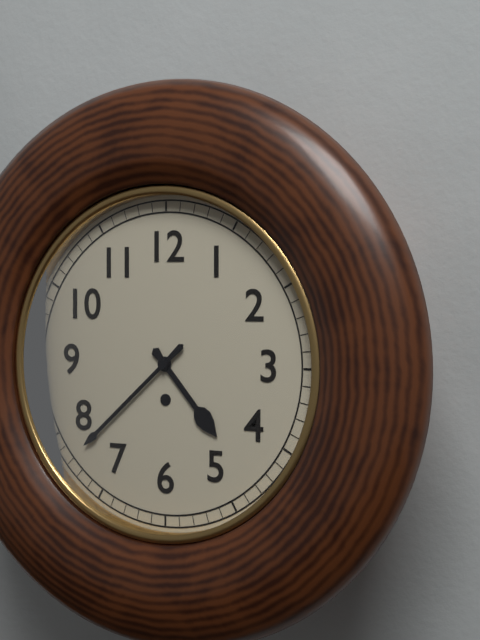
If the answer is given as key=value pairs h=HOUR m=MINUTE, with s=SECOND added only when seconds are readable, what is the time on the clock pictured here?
h=4 m=38
